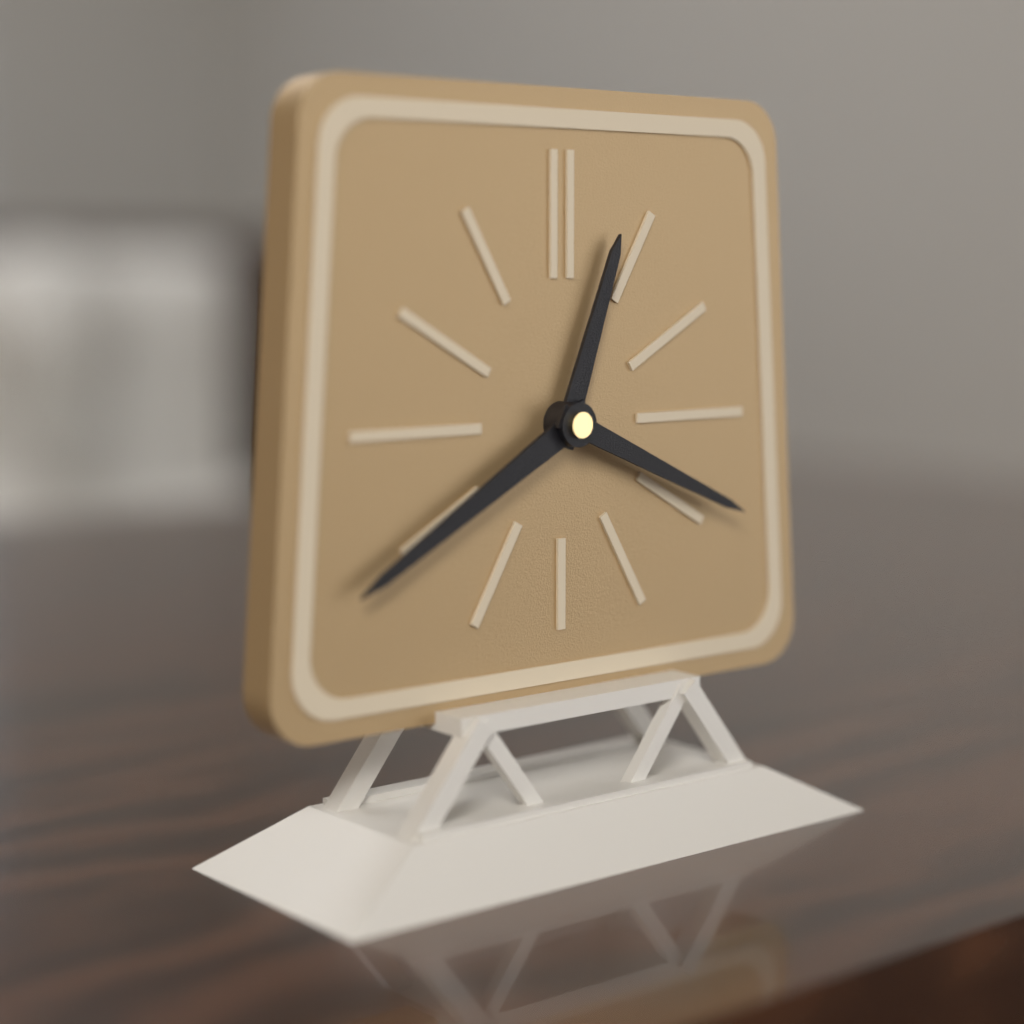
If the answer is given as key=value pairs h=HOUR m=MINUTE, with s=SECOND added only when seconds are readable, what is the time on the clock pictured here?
h=12 m=40 s=19
